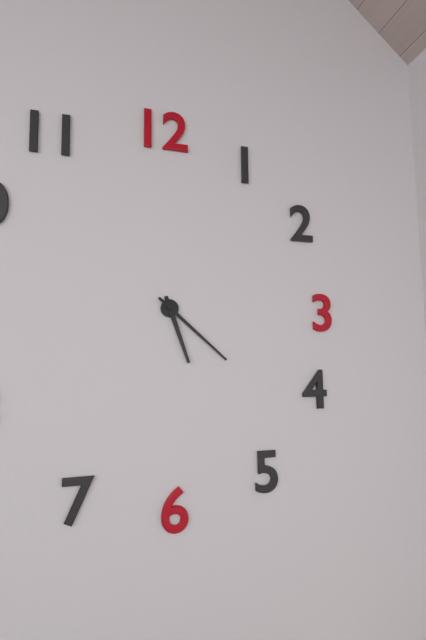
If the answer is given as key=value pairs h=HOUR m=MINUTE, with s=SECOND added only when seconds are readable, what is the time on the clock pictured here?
h=5 m=22
